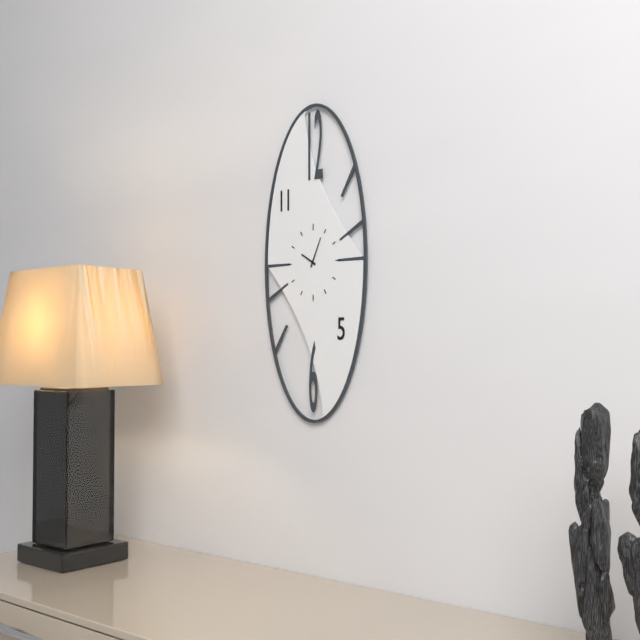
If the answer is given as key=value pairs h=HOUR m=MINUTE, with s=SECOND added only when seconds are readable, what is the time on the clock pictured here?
h=10 m=4
